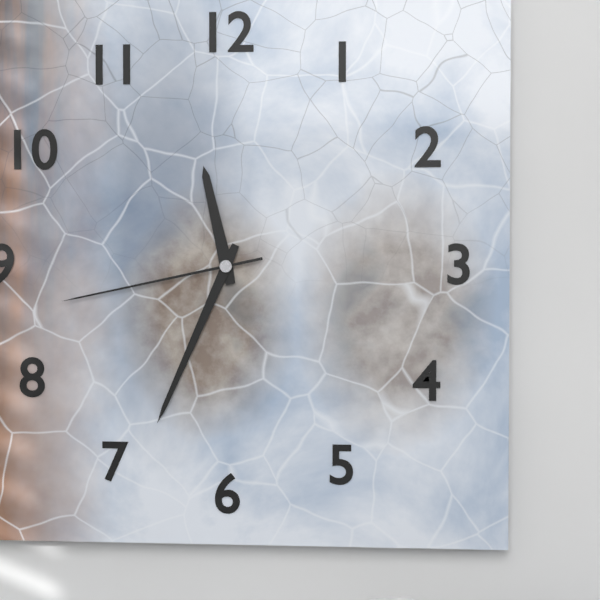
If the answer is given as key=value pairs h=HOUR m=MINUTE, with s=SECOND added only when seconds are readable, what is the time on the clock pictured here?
h=11 m=34 s=43
